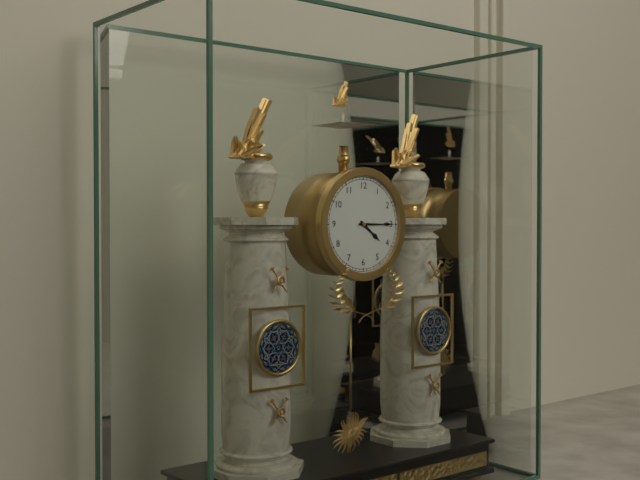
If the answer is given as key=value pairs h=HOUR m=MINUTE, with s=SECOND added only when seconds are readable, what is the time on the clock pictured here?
h=4 m=15
